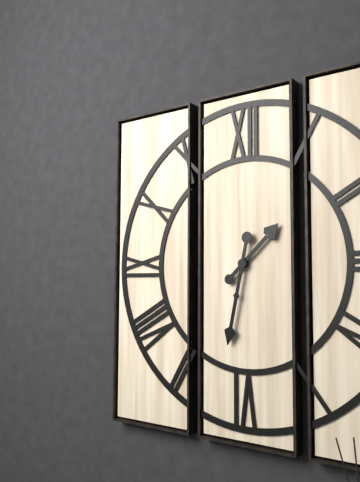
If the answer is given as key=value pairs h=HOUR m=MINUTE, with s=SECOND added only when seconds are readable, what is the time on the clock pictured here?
h=1 m=32
